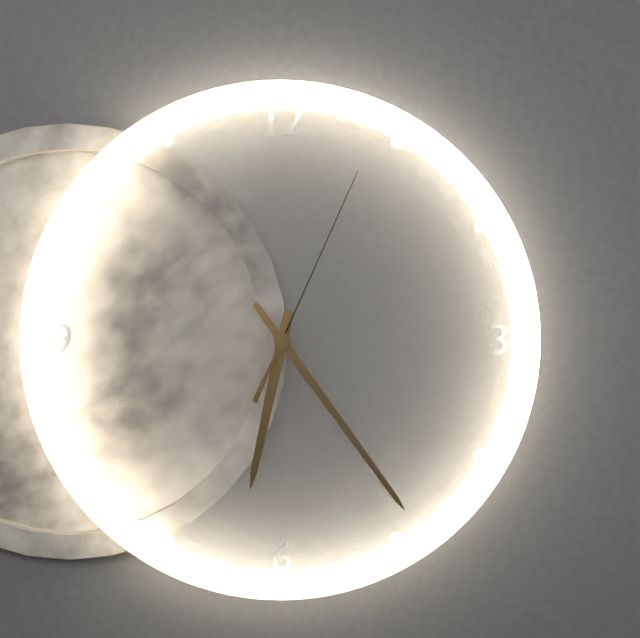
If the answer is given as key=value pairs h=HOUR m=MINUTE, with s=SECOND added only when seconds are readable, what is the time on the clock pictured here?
h=6 m=24 s=4
